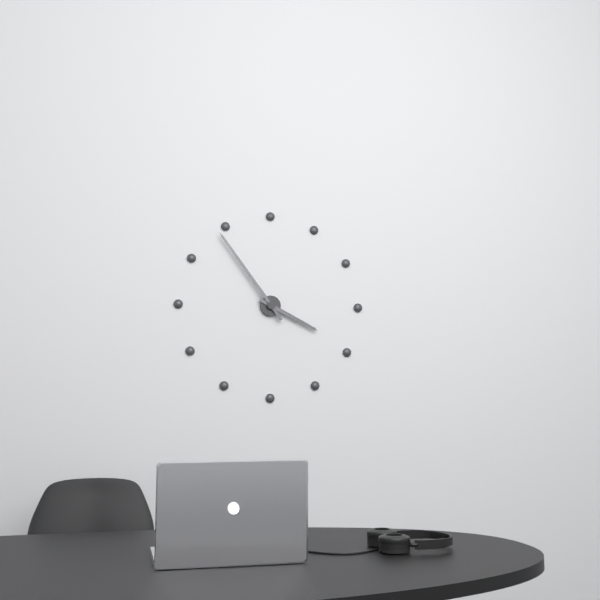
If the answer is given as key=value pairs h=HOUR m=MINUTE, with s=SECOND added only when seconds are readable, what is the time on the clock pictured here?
h=3 m=54
